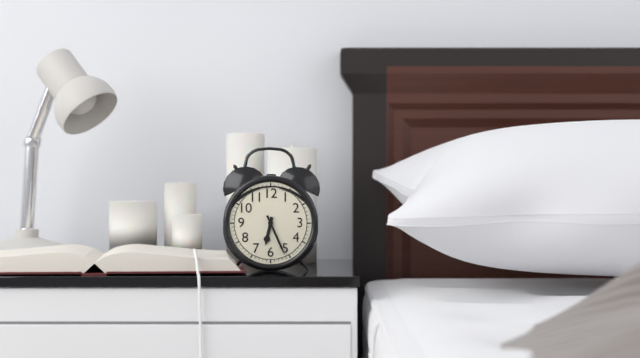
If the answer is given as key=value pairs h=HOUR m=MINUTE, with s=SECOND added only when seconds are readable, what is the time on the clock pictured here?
h=6 m=26
